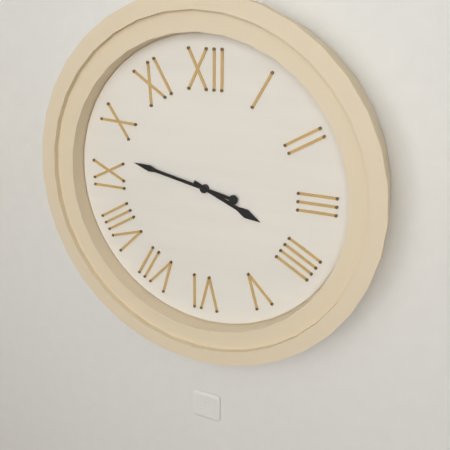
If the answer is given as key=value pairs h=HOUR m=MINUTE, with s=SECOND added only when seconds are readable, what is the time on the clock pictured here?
h=3 m=47
